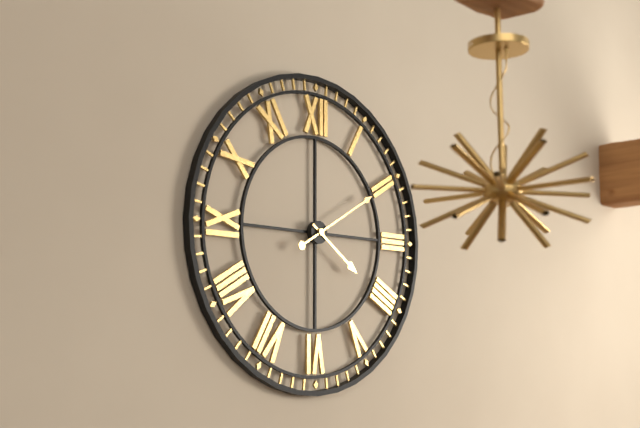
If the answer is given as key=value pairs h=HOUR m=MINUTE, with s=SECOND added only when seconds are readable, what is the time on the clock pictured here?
h=4 m=10
